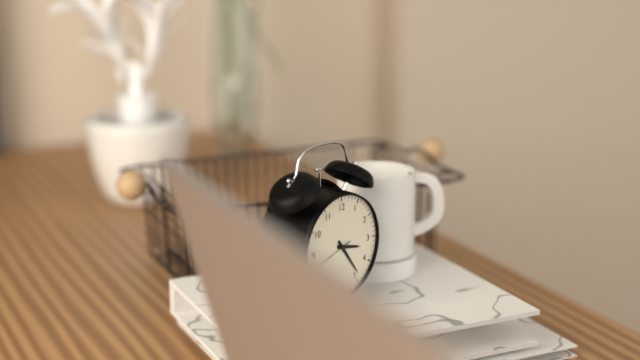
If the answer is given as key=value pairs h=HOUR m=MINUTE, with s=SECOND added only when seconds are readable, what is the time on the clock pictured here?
h=3 m=24
